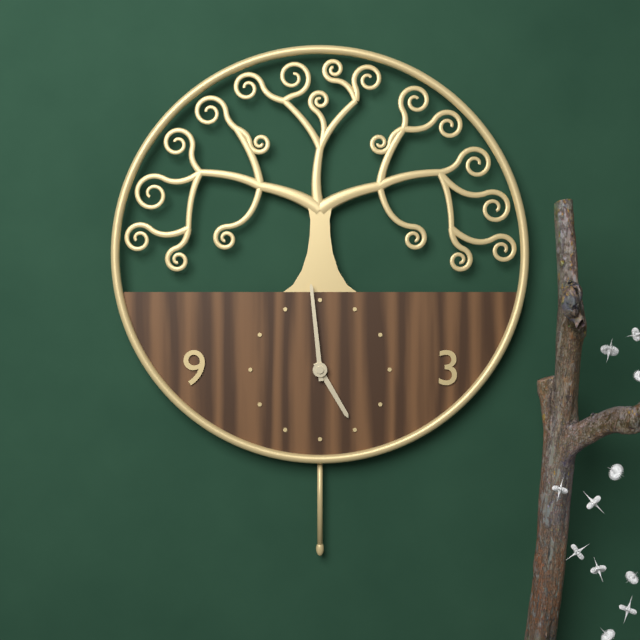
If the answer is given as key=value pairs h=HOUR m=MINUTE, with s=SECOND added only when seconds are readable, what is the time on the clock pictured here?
h=4 m=59
